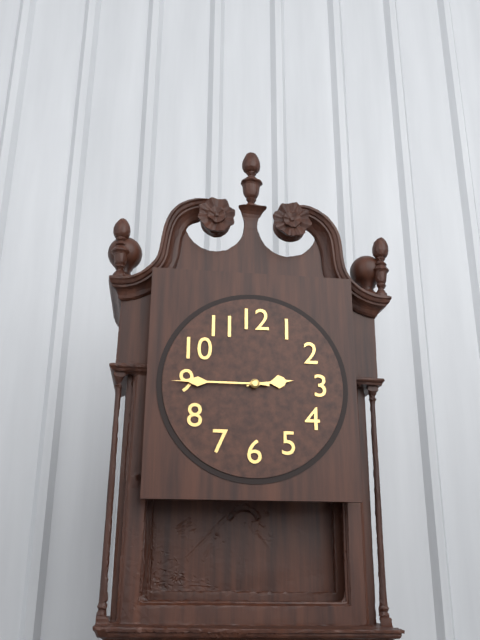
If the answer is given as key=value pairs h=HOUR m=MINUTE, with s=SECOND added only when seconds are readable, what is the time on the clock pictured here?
h=2 m=45
